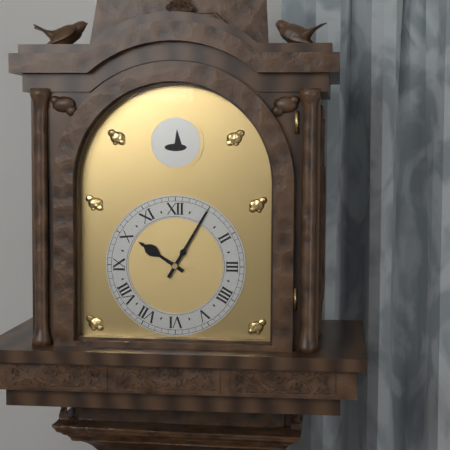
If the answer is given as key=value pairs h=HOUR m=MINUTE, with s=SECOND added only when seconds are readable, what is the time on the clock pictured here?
h=10 m=5
